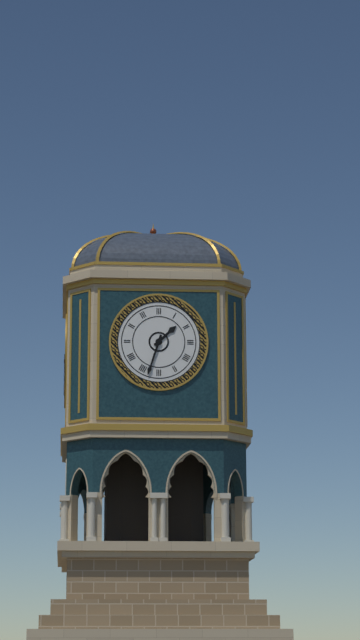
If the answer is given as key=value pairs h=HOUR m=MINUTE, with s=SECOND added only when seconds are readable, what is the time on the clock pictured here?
h=1 m=33
